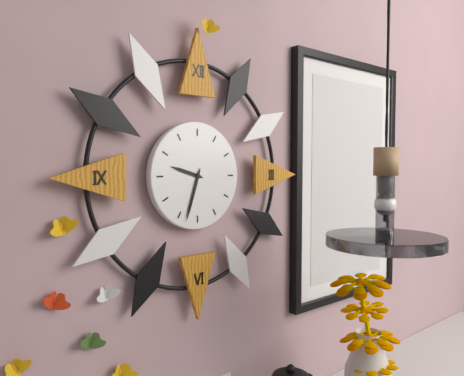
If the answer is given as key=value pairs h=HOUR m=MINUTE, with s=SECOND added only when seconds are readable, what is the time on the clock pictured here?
h=9 m=33
